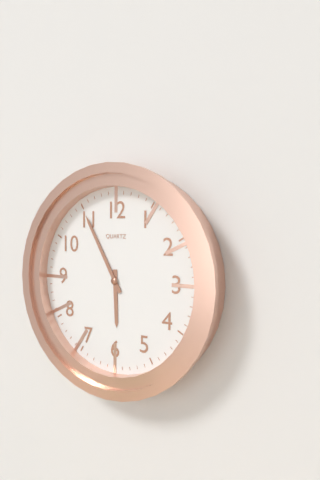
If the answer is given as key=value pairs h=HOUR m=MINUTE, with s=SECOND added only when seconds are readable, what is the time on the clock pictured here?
h=5 m=55
